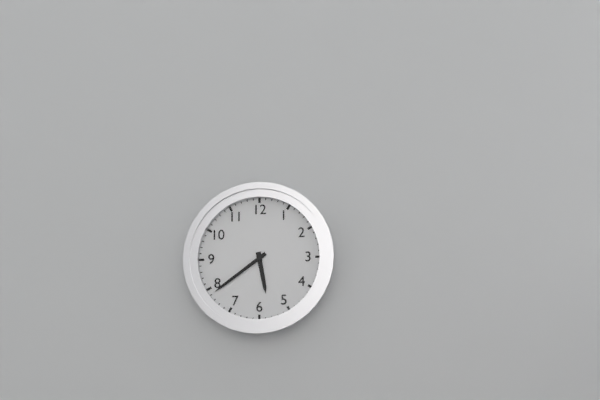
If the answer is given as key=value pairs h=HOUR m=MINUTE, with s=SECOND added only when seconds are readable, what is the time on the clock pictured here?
h=5 m=39
